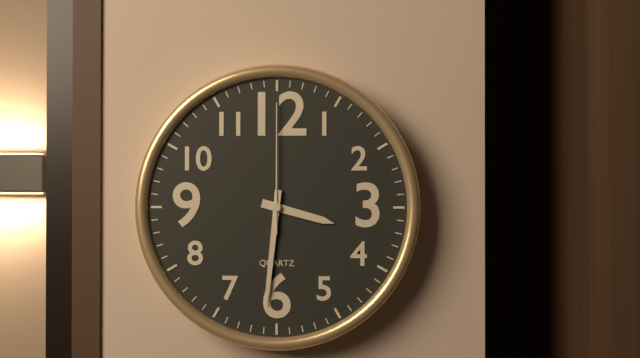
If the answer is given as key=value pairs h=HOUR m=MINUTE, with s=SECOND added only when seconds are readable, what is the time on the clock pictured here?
h=3 m=31 s=0
